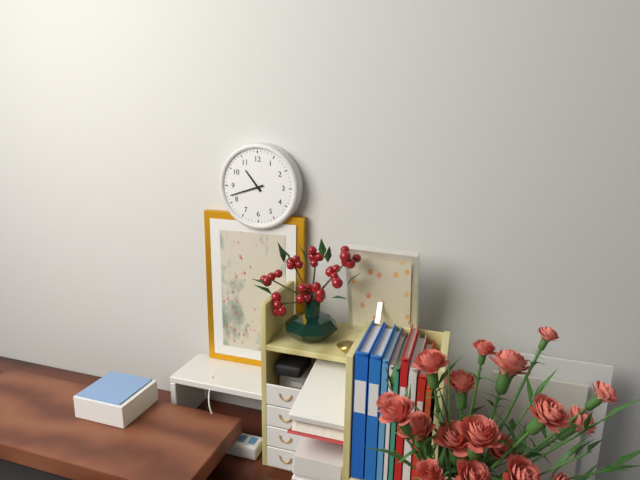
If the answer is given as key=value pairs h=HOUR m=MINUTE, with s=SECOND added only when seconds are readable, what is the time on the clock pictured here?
h=10 m=42
